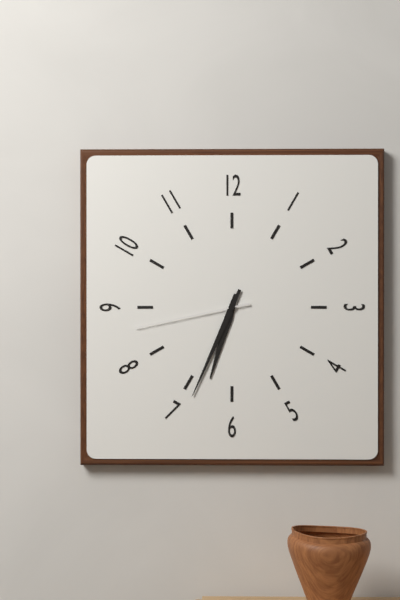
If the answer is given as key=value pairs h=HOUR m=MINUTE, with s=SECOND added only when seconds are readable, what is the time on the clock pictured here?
h=6 m=34 s=43
